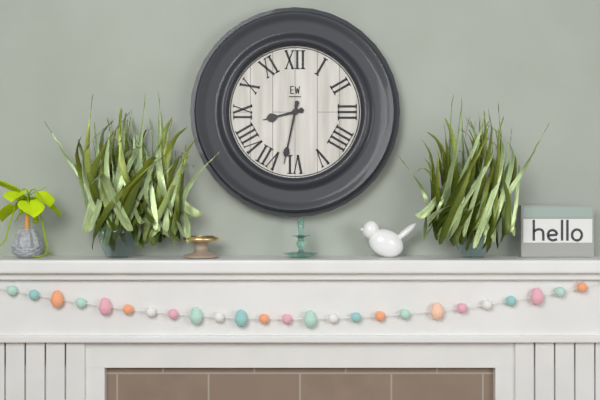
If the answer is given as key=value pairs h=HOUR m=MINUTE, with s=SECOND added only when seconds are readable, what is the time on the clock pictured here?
h=8 m=32
